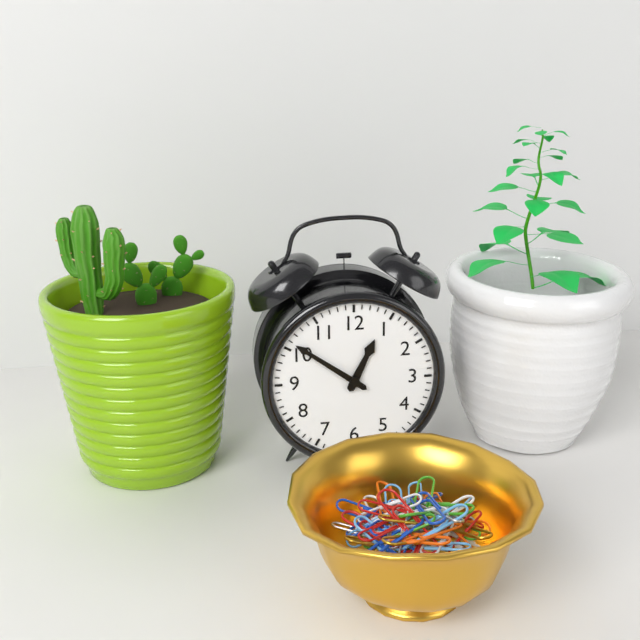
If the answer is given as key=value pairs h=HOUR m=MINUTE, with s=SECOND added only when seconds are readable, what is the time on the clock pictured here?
h=12 m=51
